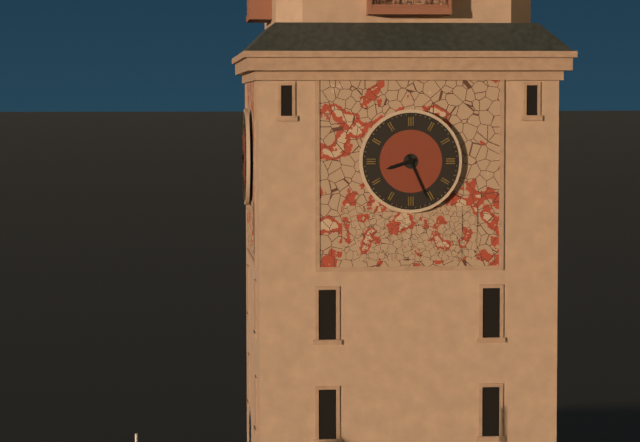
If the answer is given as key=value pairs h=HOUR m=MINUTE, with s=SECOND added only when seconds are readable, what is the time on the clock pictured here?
h=8 m=26
